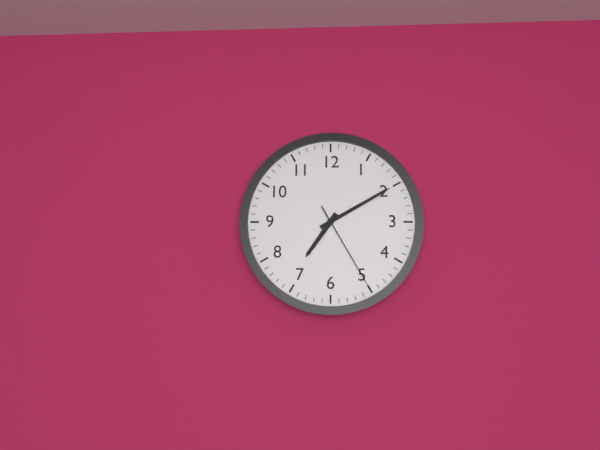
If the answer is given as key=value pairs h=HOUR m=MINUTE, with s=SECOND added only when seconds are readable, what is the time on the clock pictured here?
h=7 m=10 s=25
